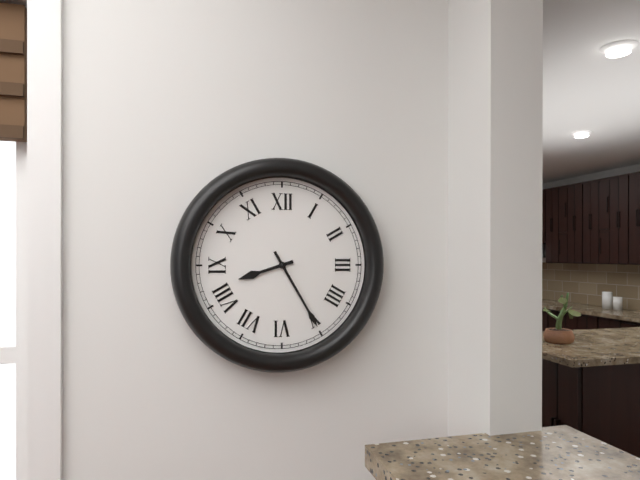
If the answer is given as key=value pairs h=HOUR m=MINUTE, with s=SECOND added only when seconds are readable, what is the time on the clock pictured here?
h=8 m=25
